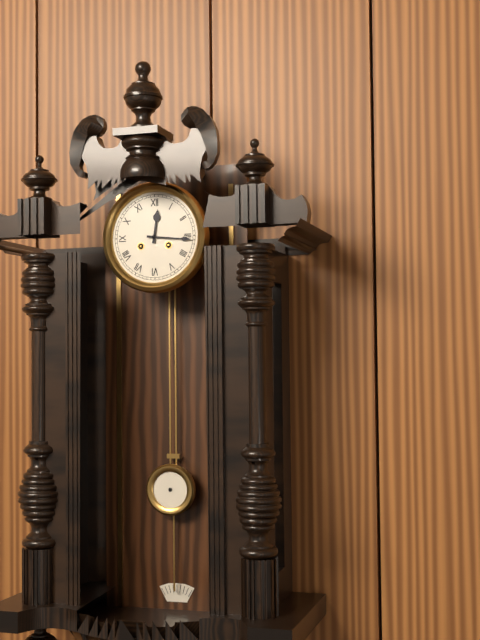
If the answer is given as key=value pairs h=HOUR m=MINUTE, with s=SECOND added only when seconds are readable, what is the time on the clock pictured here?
h=12 m=16
